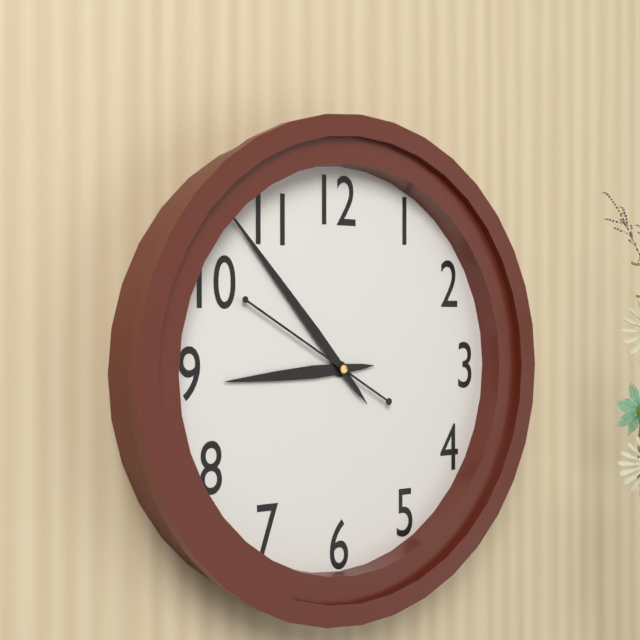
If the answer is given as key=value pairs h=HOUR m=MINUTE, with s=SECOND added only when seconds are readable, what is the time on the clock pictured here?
h=8 m=53 s=50
